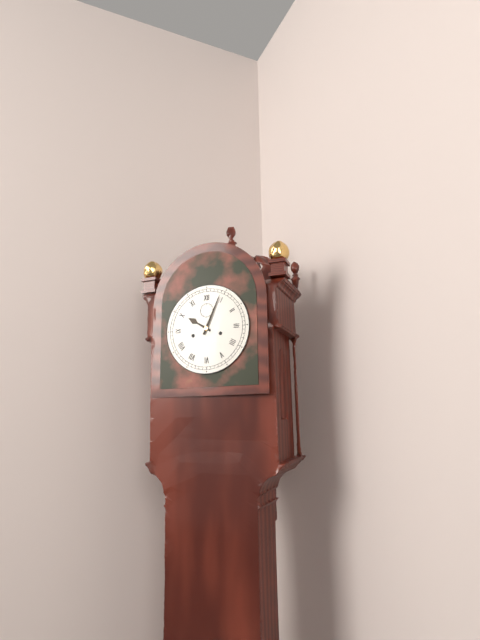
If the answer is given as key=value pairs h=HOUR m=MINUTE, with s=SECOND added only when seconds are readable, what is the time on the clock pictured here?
h=10 m=4
